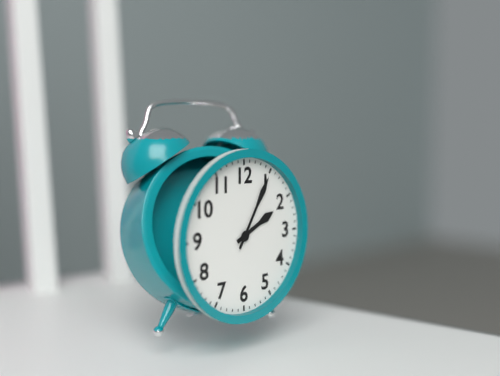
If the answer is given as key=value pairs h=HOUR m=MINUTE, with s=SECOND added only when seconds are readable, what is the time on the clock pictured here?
h=2 m=5
